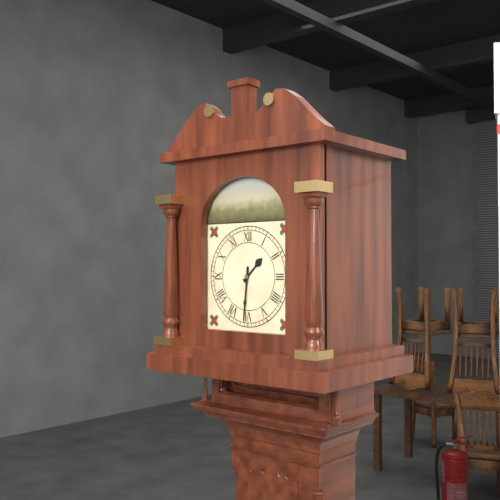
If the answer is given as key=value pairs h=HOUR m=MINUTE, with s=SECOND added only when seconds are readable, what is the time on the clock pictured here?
h=1 m=31
